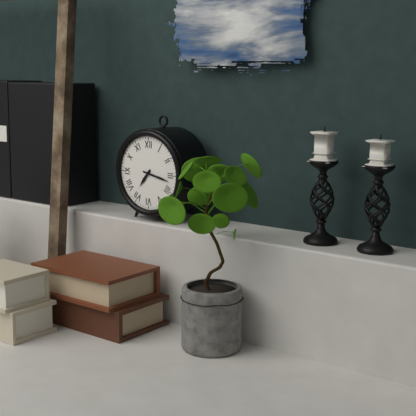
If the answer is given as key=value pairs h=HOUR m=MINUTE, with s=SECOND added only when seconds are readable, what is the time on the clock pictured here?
h=7 m=17
